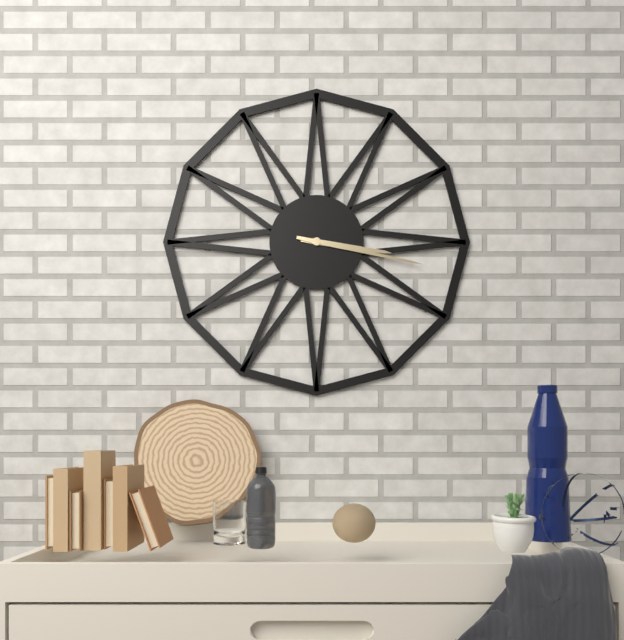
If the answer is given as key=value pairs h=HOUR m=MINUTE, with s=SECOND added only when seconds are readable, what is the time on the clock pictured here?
h=3 m=17
